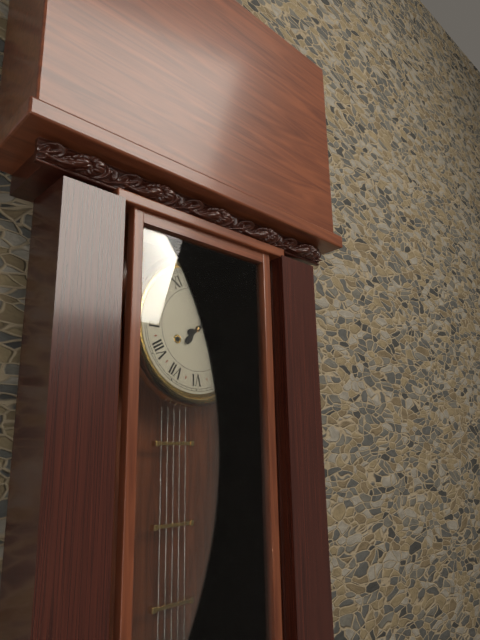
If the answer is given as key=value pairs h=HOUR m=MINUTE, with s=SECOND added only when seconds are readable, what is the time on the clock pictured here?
h=2 m=7
